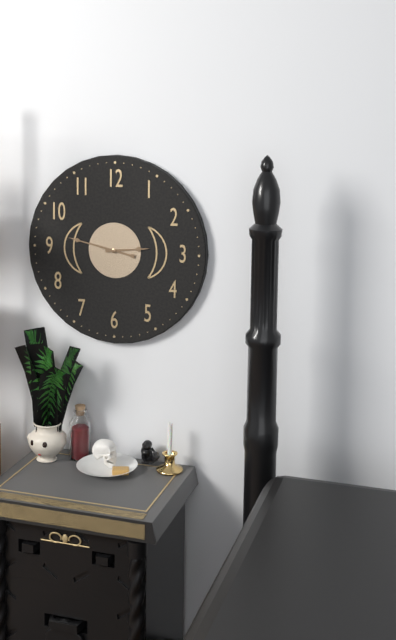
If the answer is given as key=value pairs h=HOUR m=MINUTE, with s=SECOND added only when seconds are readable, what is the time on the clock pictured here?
h=2 m=47
